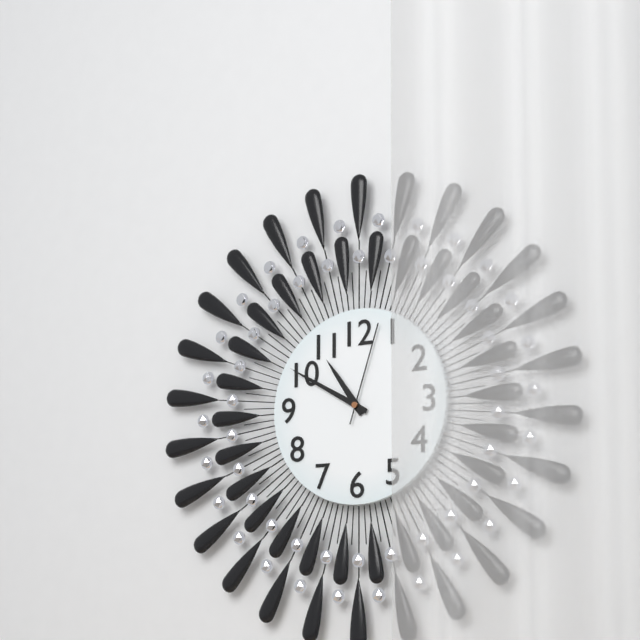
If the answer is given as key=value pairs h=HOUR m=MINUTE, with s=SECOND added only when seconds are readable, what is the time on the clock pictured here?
h=10 m=50 s=3
